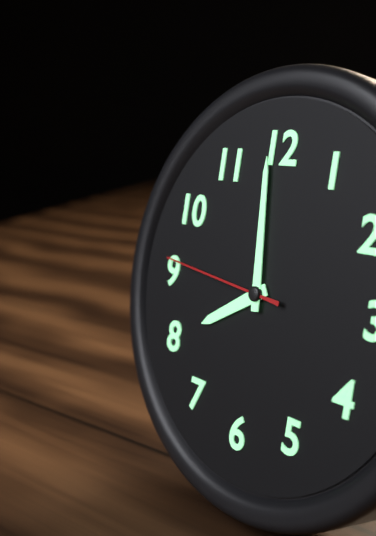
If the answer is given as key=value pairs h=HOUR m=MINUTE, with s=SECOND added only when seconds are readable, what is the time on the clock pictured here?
h=7 m=59 s=46
